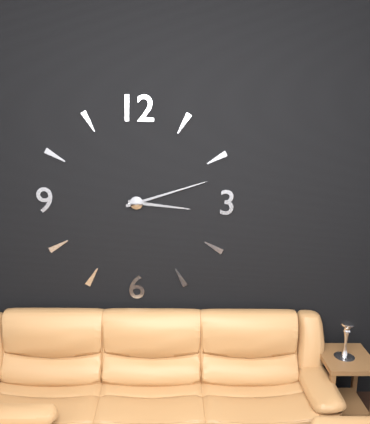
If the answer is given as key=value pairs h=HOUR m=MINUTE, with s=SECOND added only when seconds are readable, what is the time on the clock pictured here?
h=3 m=12
